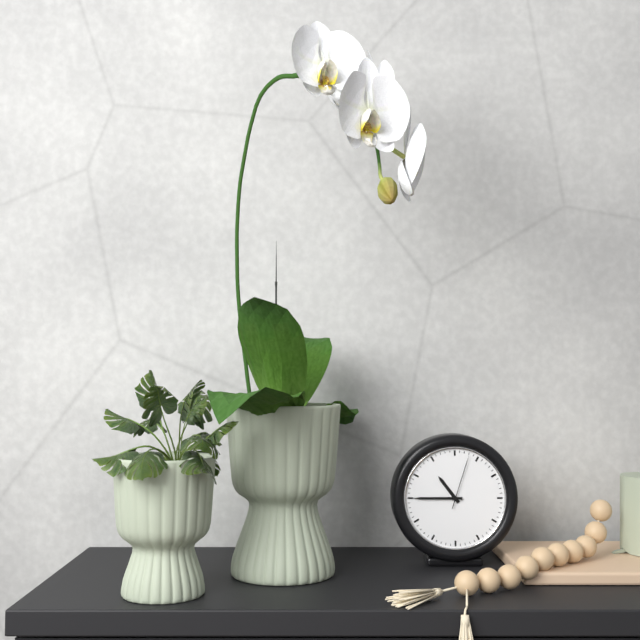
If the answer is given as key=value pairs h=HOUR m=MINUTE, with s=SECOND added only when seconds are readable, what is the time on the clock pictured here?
h=10 m=45 s=3
